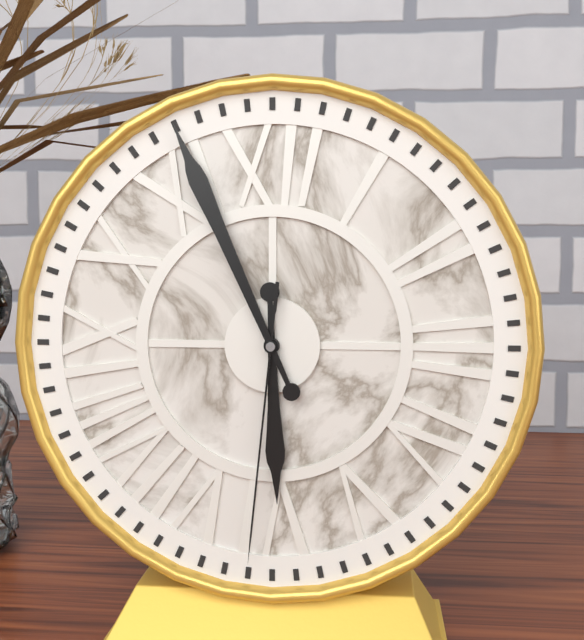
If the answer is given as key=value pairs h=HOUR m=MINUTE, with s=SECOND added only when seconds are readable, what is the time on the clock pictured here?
h=5 m=56 s=31
